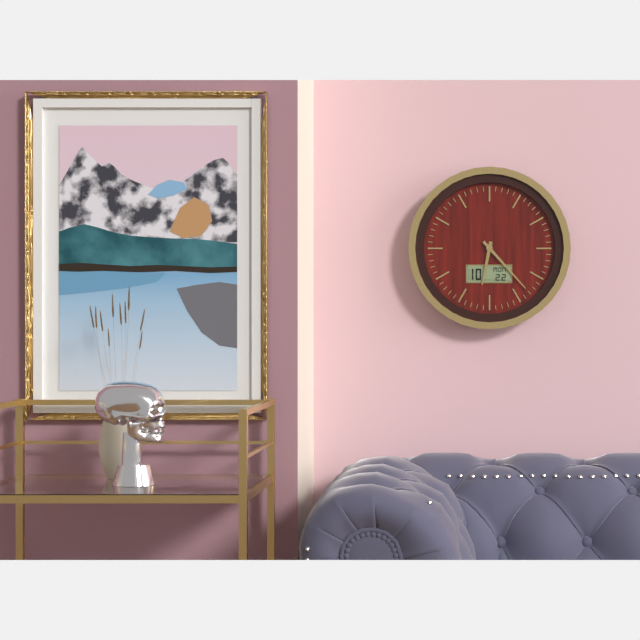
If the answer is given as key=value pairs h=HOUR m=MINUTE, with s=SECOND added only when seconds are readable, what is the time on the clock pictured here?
h=6 m=23
